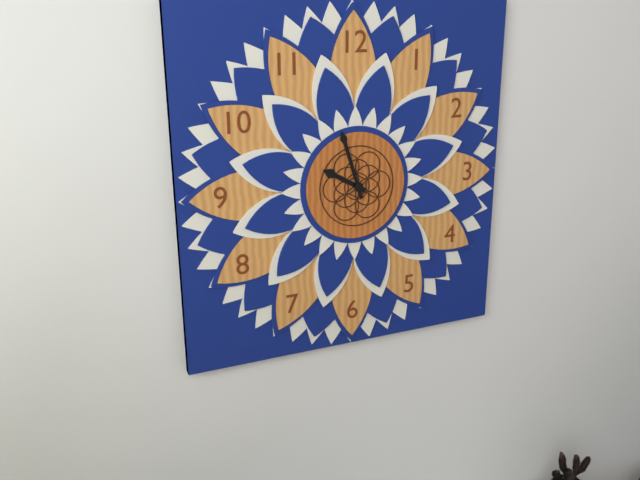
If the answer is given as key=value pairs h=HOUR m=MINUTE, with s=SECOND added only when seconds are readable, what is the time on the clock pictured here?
h=9 m=57
